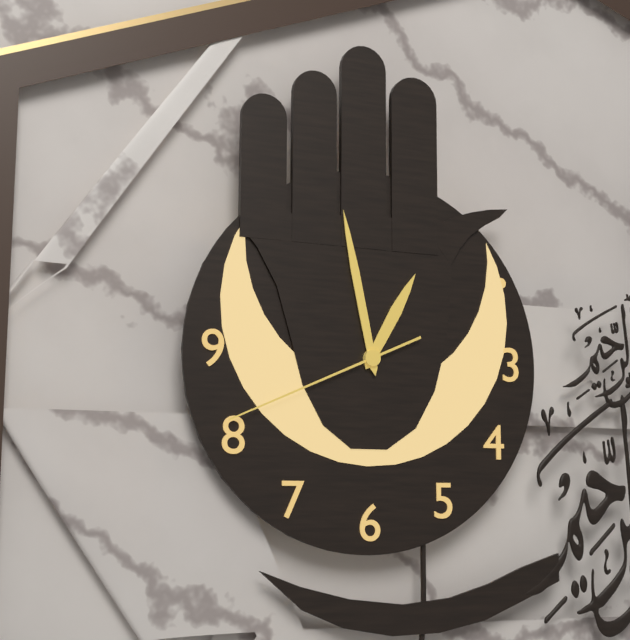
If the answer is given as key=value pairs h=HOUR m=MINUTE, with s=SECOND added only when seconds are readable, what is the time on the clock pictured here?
h=12 m=58 s=41
